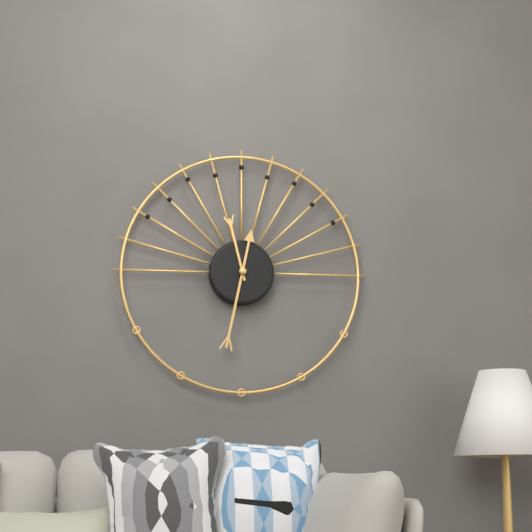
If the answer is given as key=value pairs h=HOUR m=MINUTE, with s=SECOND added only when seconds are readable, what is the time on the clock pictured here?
h=11 m=32
